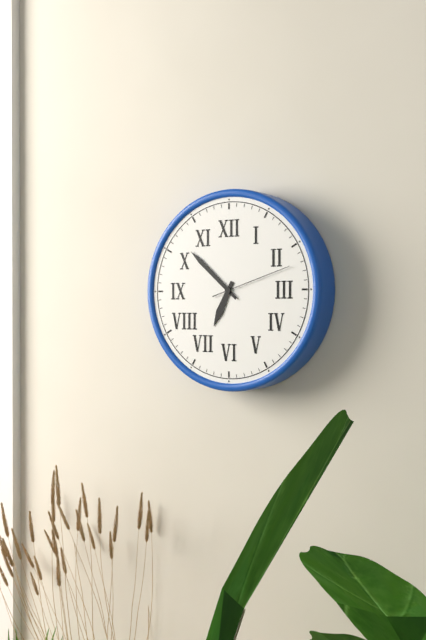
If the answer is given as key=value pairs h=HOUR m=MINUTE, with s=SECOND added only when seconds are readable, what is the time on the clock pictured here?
h=6 m=52 s=12
